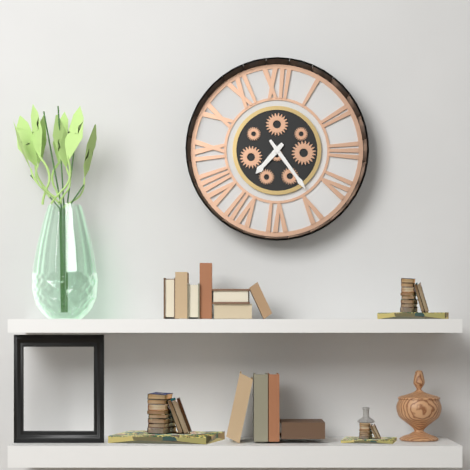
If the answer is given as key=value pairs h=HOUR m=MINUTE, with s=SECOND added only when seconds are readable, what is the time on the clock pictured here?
h=7 m=24
